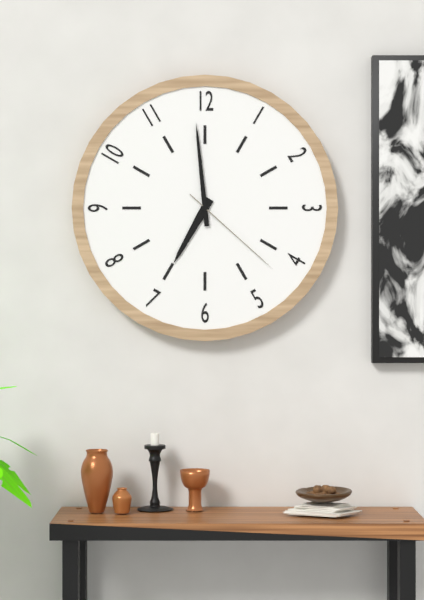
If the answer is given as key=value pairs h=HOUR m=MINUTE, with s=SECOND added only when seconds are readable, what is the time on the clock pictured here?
h=6 m=59 s=22
